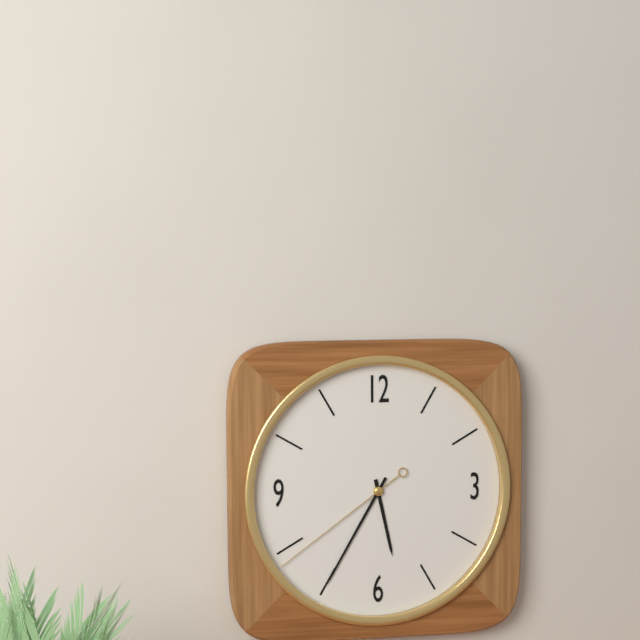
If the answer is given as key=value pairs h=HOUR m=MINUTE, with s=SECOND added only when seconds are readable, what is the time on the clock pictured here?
h=5 m=35 s=39
